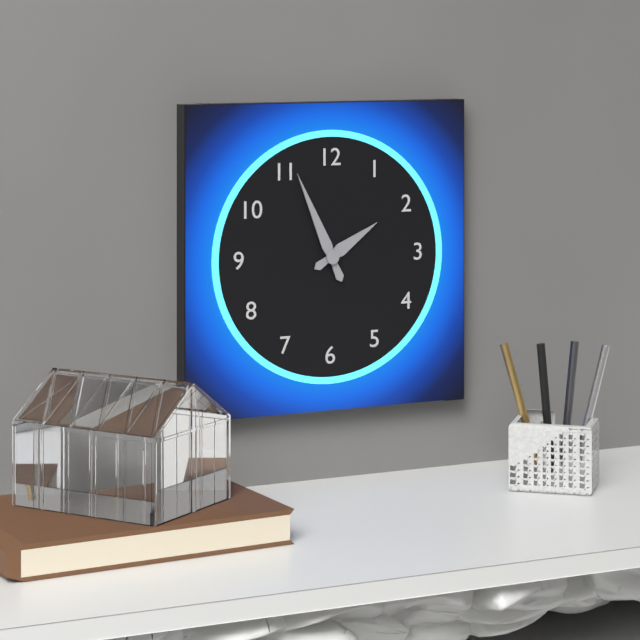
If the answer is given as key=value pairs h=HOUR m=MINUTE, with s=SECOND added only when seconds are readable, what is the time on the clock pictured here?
h=1 m=56
